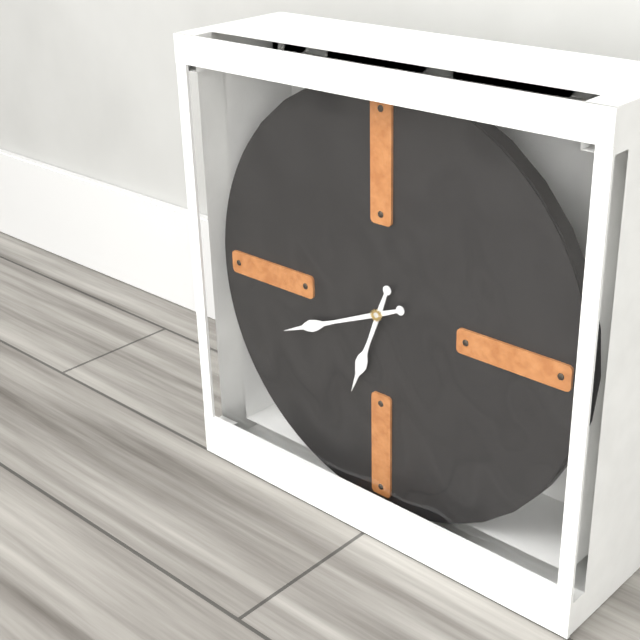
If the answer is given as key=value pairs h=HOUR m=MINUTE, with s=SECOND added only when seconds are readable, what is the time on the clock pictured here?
h=6 m=41
